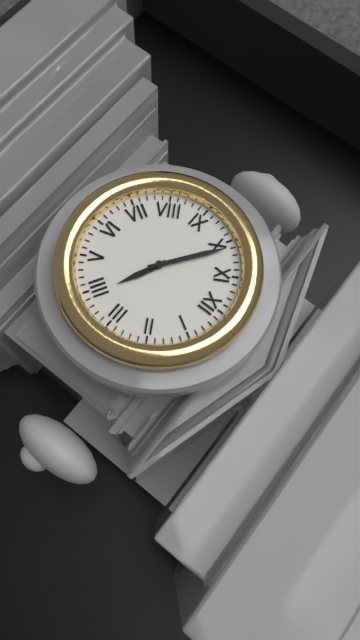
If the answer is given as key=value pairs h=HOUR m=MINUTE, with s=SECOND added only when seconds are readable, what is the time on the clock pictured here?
h=3 m=51
